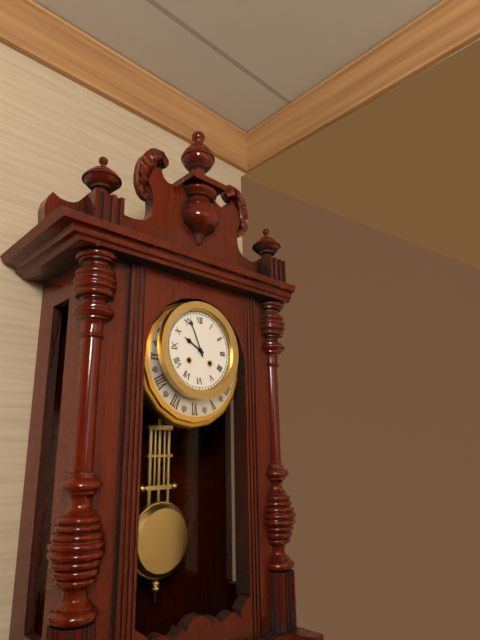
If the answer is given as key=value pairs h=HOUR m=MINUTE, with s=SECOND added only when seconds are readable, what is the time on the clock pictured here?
h=9 m=56
